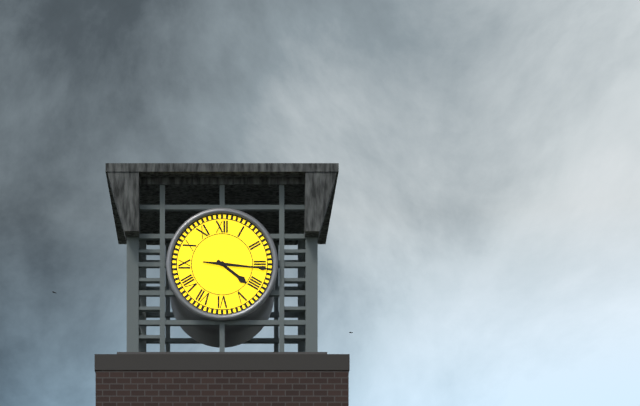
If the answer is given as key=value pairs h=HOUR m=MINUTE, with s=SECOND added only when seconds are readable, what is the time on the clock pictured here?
h=4 m=16
